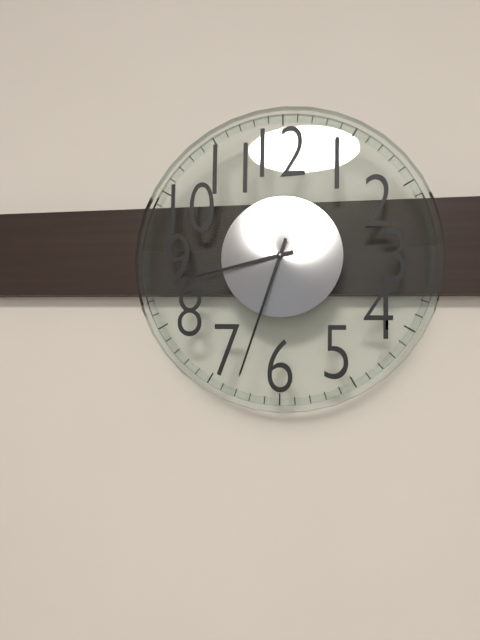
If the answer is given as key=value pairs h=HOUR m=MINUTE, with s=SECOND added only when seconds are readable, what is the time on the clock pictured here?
h=8 m=33
